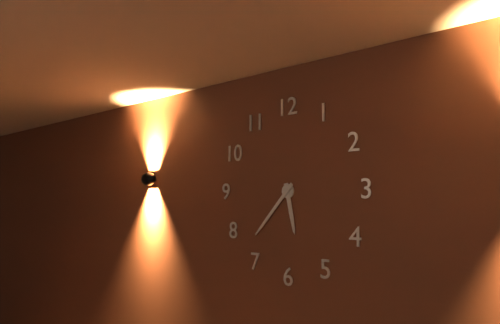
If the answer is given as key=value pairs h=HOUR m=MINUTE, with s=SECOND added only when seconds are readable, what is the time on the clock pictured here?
h=5 m=37
